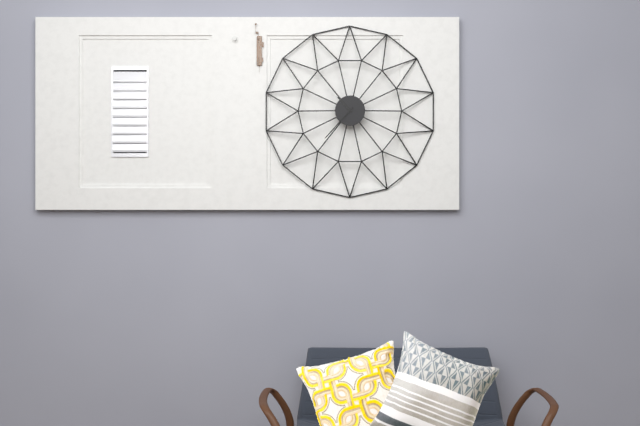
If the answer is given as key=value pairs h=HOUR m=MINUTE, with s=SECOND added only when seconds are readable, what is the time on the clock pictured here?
h=10 m=37
